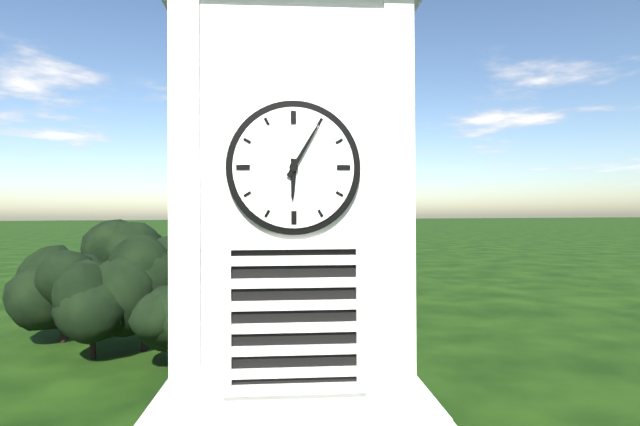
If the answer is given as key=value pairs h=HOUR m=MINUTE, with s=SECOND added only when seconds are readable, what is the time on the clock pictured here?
h=6 m=5
